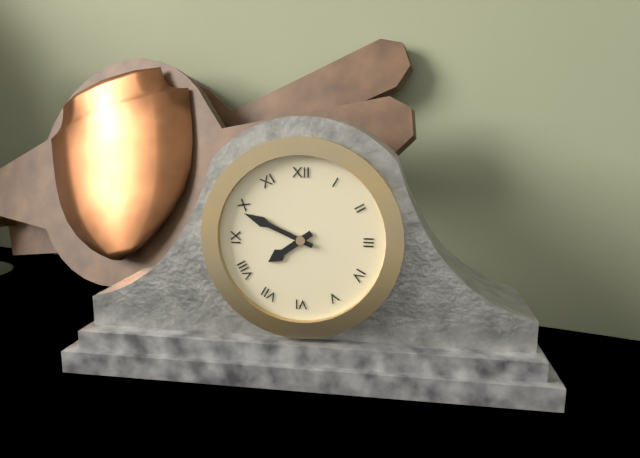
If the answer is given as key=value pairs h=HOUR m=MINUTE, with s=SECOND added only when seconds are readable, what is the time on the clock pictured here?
h=7 m=49
